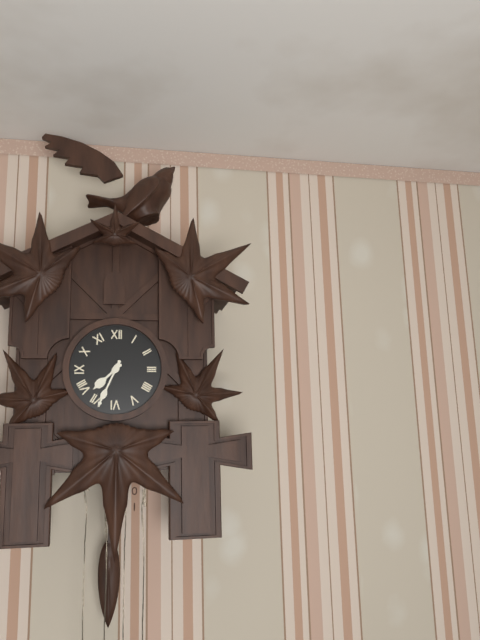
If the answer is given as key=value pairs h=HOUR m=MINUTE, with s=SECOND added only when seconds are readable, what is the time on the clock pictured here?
h=7 m=34
